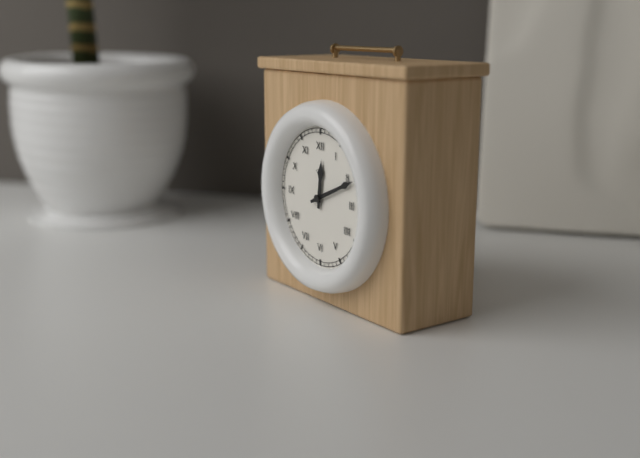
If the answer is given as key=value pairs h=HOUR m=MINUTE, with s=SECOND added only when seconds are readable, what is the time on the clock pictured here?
h=12 m=11
